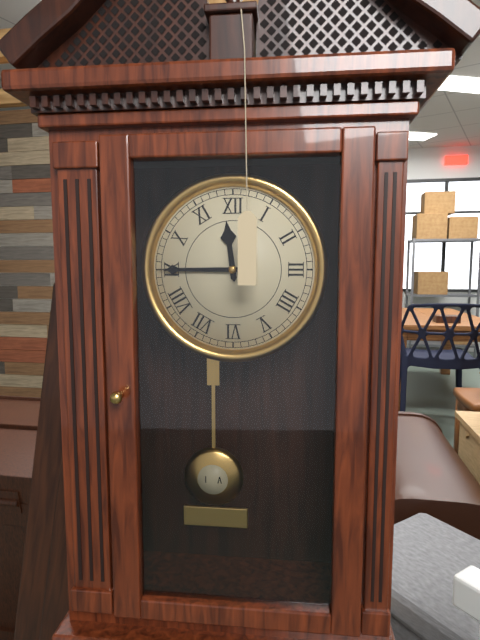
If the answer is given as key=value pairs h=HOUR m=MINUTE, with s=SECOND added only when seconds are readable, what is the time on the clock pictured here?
h=11 m=45
